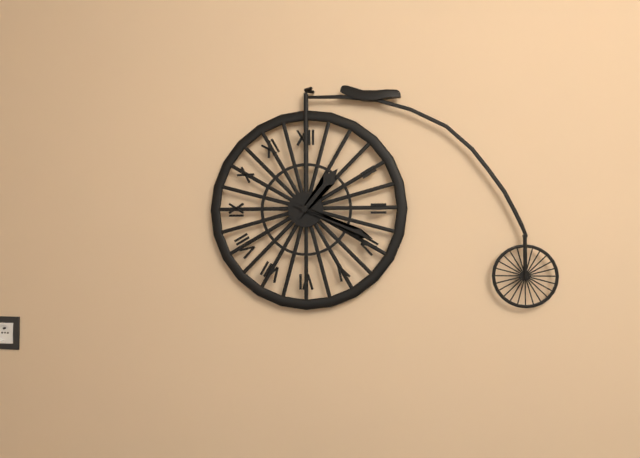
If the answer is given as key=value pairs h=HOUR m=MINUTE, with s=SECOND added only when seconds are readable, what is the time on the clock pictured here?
h=1 m=19
